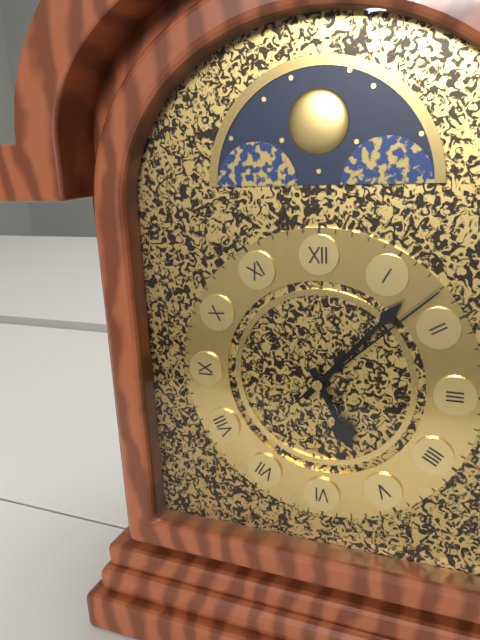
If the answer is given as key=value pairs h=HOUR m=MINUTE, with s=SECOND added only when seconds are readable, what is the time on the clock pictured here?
h=5 m=7 s=8
